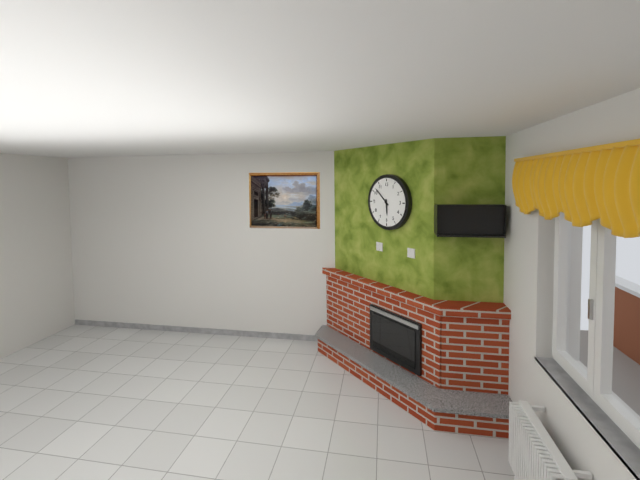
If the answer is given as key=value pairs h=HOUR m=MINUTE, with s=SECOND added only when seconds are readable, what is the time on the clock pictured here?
h=5 m=52
